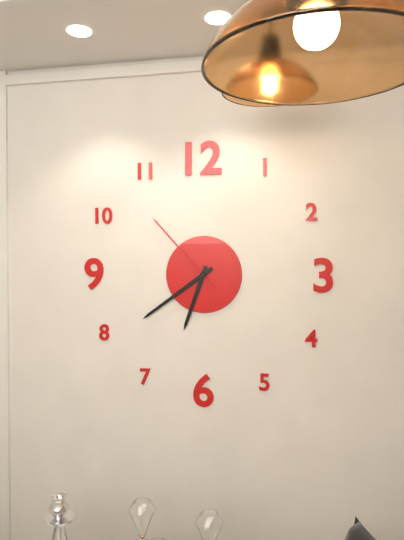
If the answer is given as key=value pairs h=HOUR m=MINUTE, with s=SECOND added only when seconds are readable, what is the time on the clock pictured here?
h=6 m=39 s=53
